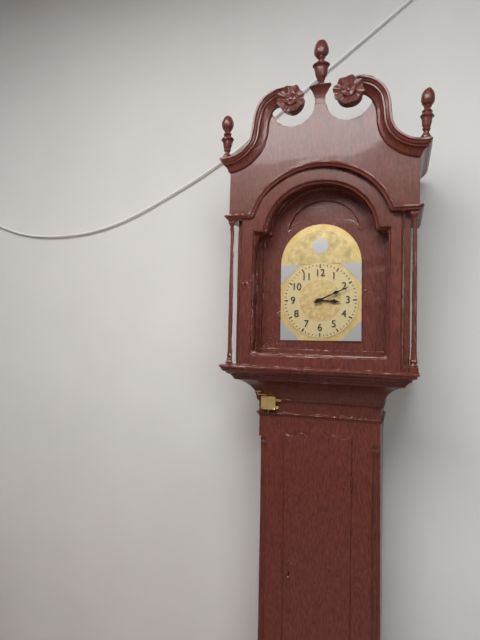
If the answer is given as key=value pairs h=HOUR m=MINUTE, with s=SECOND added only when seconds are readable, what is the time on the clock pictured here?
h=3 m=11
